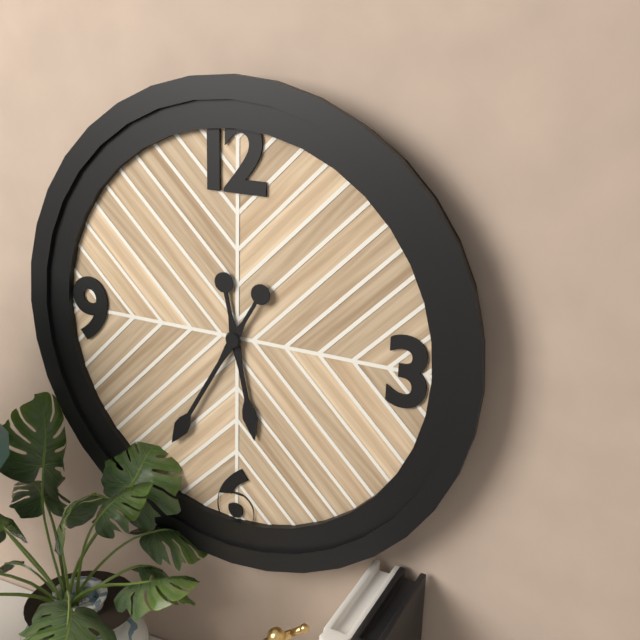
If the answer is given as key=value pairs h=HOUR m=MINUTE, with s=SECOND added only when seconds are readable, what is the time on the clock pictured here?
h=5 m=35
